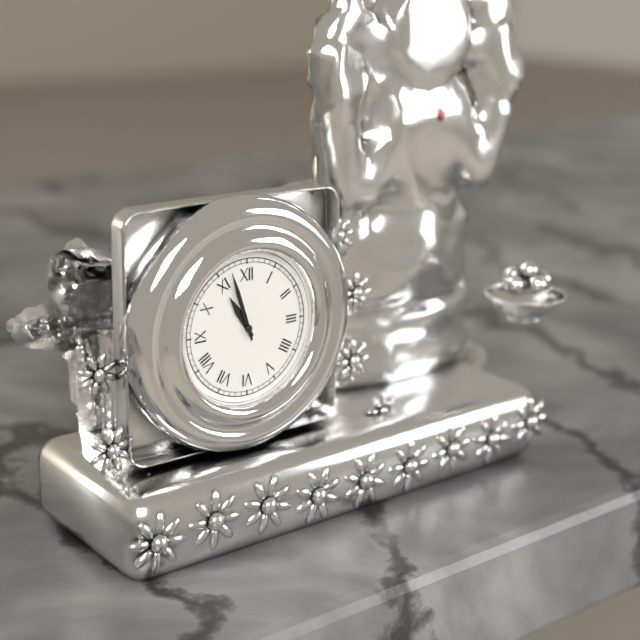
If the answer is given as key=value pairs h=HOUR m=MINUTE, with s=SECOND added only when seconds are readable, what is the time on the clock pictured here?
h=10 m=57
